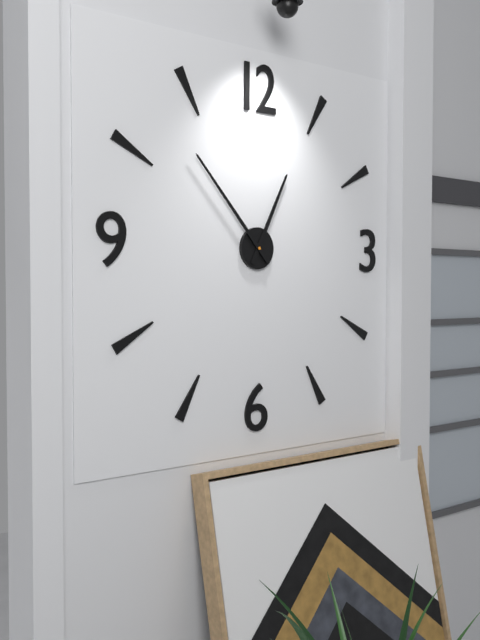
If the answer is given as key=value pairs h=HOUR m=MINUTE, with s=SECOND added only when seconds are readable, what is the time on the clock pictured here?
h=12 m=53
